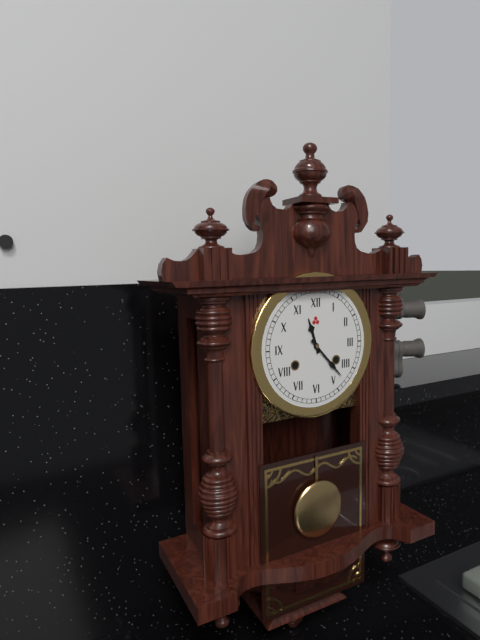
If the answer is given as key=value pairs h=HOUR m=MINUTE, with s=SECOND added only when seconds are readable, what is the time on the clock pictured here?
h=11 m=23
